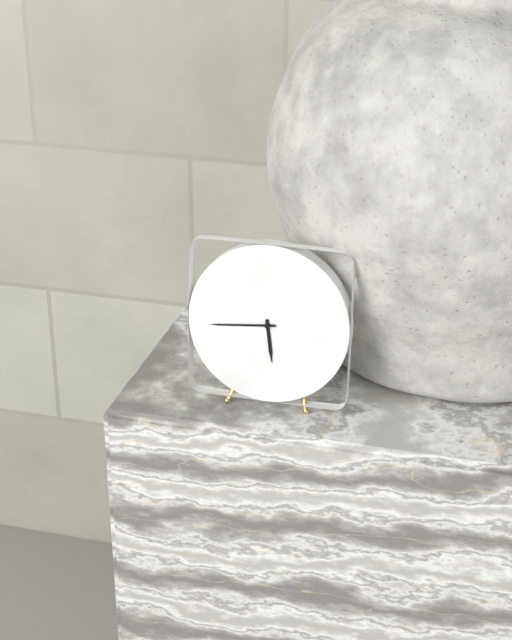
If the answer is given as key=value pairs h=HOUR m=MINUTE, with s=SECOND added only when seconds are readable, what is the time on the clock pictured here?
h=5 m=44
